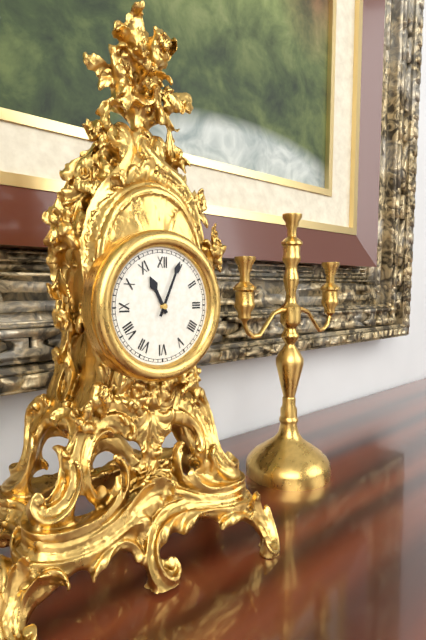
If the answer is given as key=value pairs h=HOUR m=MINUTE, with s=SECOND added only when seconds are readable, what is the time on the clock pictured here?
h=11 m=4
